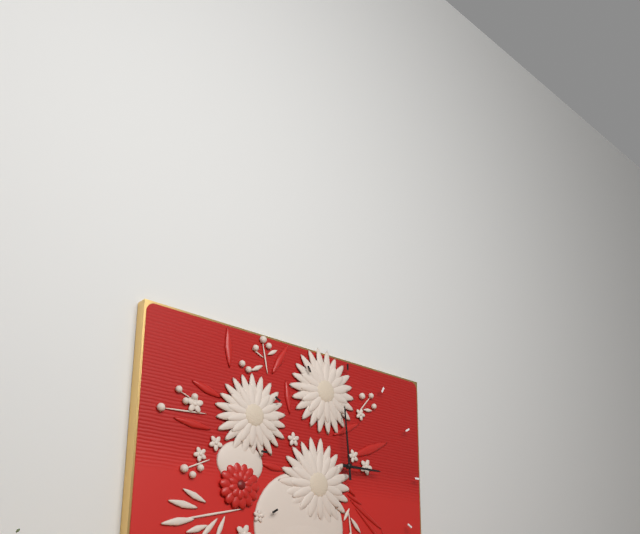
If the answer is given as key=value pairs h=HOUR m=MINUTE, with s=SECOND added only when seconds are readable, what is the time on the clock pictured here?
h=2 m=59
